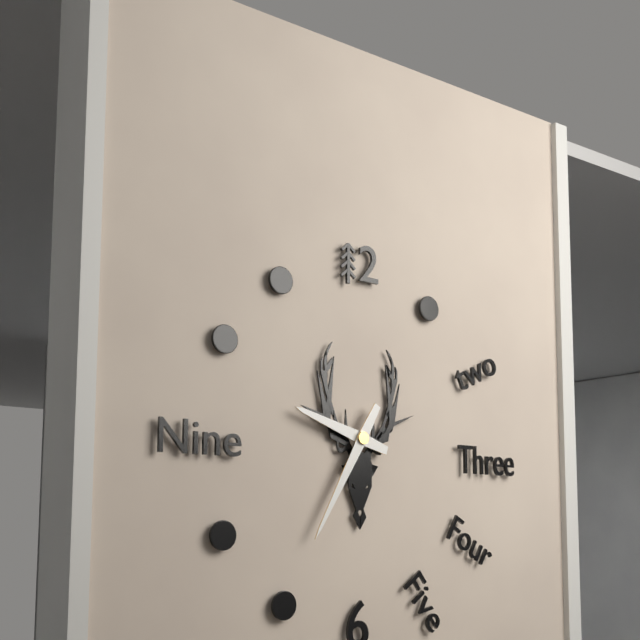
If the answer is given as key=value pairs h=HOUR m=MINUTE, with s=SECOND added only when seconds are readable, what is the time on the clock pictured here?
h=9 m=35
